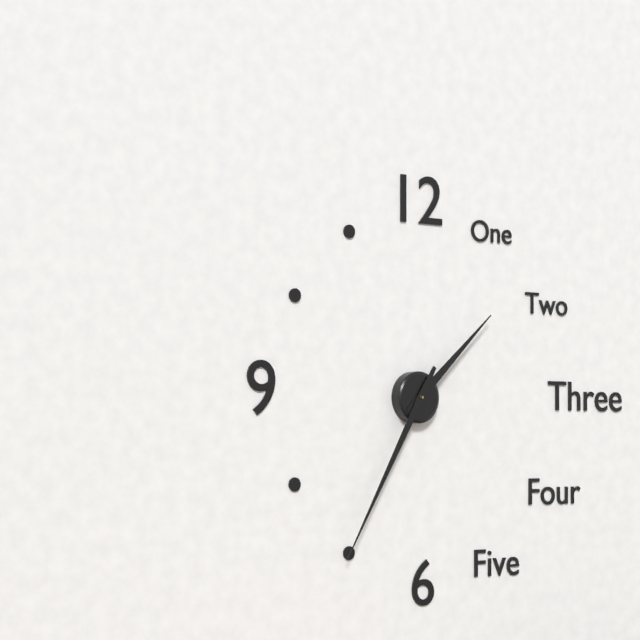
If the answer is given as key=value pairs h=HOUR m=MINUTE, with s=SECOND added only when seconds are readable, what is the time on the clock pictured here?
h=1 m=35
